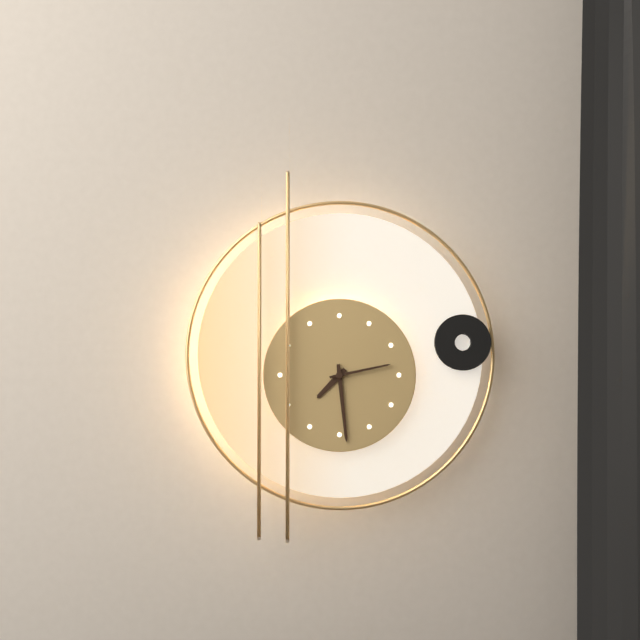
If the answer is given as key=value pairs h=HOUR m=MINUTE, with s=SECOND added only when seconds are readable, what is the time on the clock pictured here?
h=7 m=29 s=13
